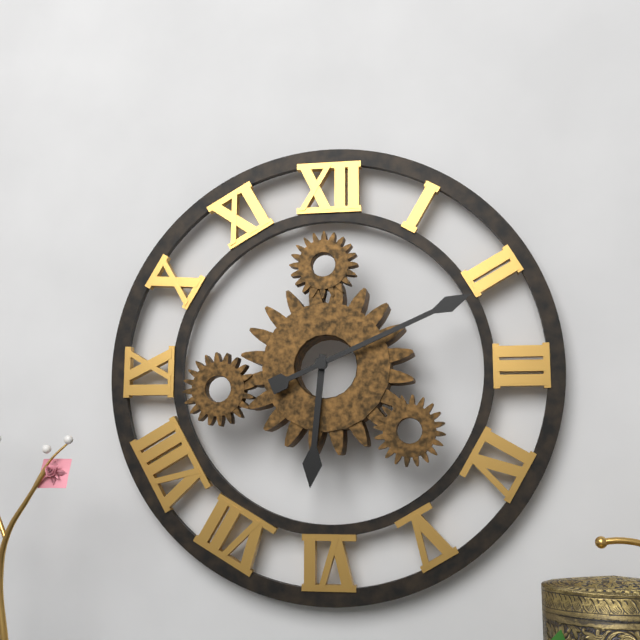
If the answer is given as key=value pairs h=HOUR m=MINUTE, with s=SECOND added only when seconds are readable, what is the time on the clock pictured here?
h=6 m=11
